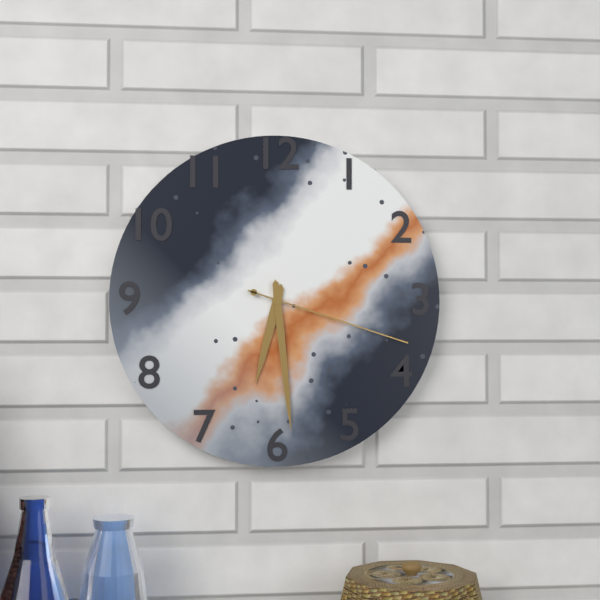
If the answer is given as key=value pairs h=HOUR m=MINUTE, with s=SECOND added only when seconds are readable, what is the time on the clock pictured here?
h=6 m=29 s=18
